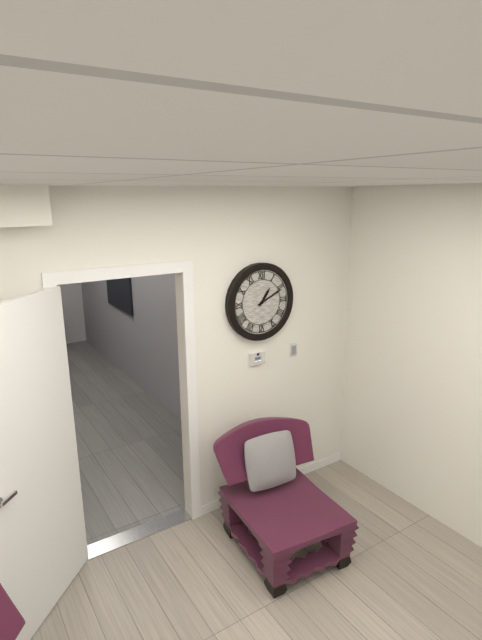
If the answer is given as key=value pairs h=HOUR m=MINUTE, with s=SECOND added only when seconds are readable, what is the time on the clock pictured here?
h=1 m=11
